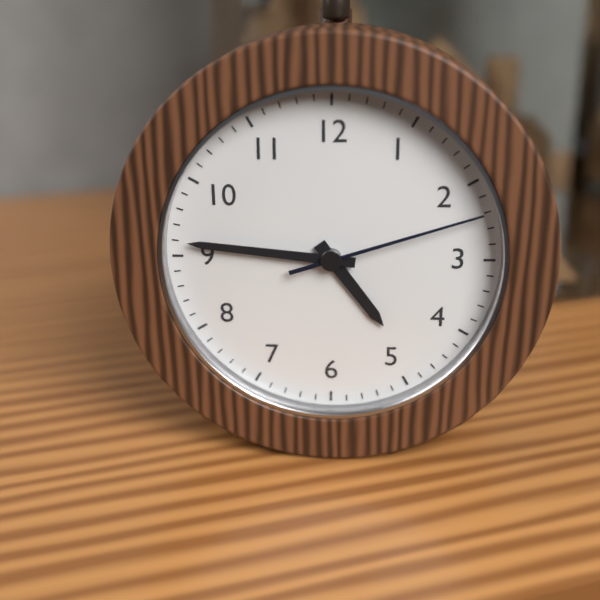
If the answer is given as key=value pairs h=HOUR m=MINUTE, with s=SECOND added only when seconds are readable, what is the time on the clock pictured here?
h=4 m=46 s=12
